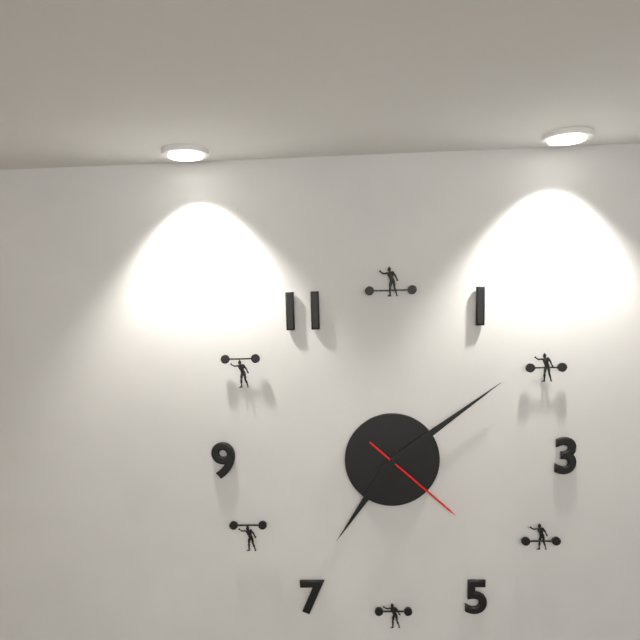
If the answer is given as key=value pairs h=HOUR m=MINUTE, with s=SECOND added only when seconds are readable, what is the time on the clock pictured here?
h=7 m=9 s=22
